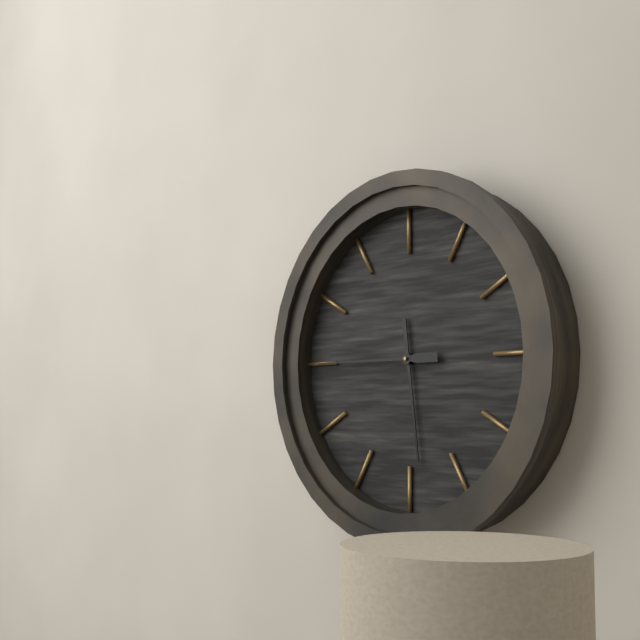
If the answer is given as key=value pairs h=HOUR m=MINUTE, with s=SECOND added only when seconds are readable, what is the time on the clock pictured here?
h=5 m=45
